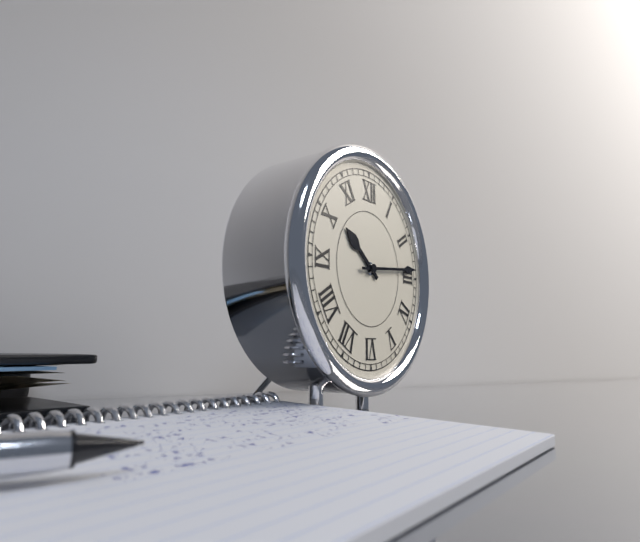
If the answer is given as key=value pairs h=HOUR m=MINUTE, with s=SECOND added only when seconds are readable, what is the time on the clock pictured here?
h=10 m=14
